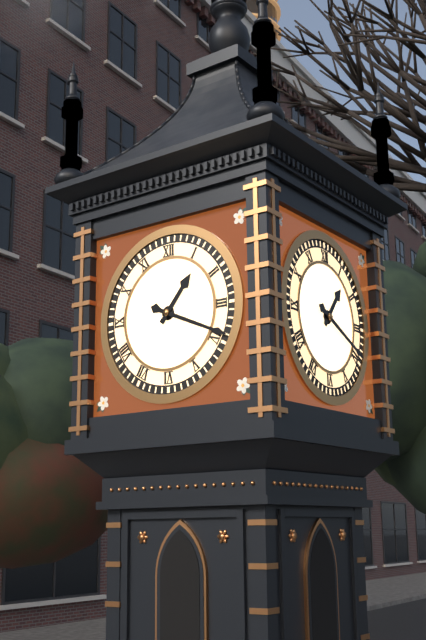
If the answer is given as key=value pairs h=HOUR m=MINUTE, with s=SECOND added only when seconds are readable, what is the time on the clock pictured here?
h=1 m=19
